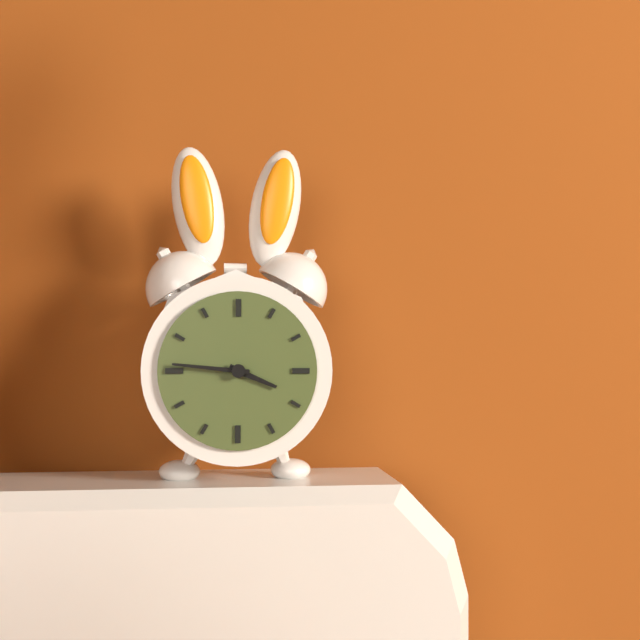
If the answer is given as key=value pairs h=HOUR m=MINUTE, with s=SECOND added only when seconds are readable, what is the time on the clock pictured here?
h=3 m=46
